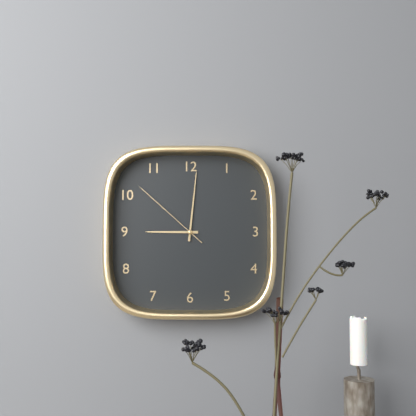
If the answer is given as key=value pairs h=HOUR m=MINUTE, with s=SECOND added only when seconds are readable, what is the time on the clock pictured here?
h=9 m=1 s=52
